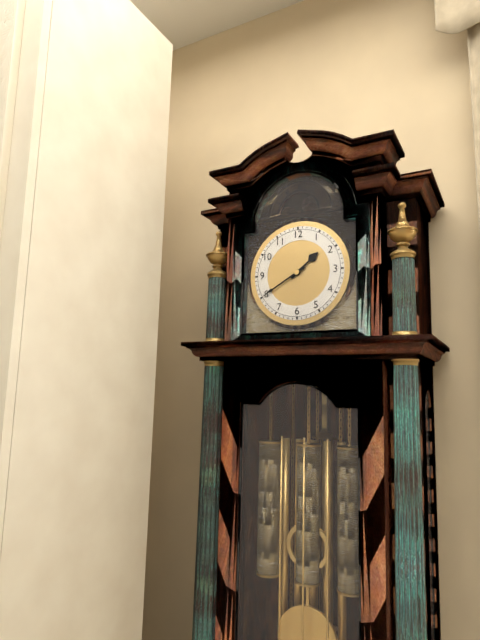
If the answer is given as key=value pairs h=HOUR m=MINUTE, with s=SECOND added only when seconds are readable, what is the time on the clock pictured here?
h=1 m=40
